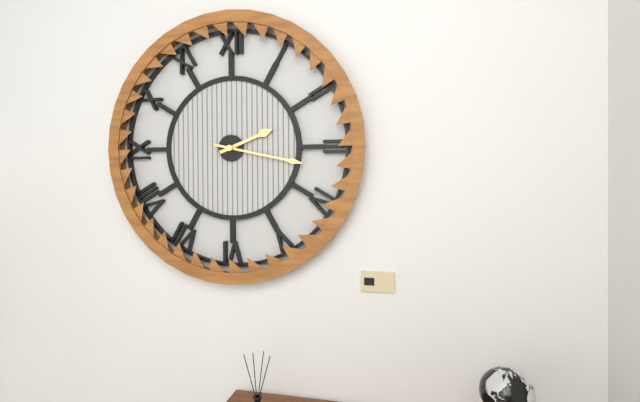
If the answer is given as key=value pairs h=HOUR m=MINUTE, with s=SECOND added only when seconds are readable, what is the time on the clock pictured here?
h=2 m=17
